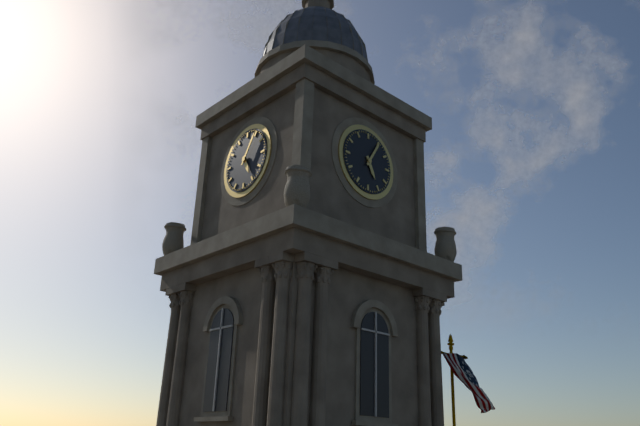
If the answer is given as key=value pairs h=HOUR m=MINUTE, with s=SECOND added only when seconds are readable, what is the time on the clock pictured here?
h=5 m=5
